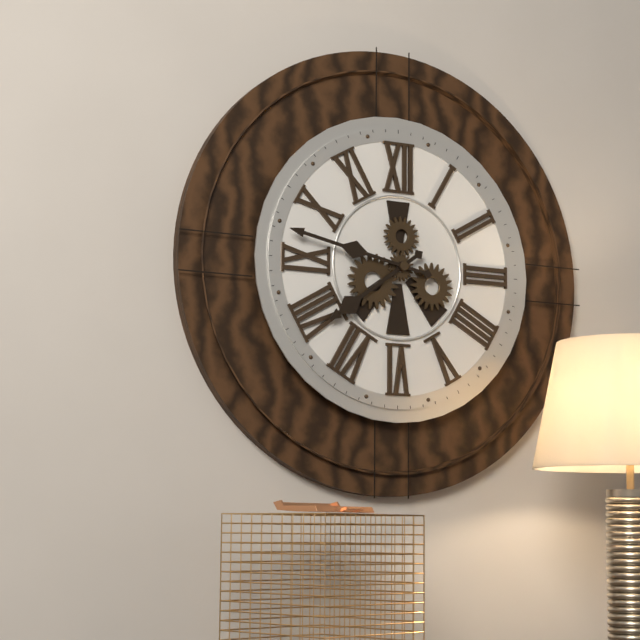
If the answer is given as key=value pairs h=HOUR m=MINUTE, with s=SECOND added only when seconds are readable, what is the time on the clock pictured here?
h=7 m=47
